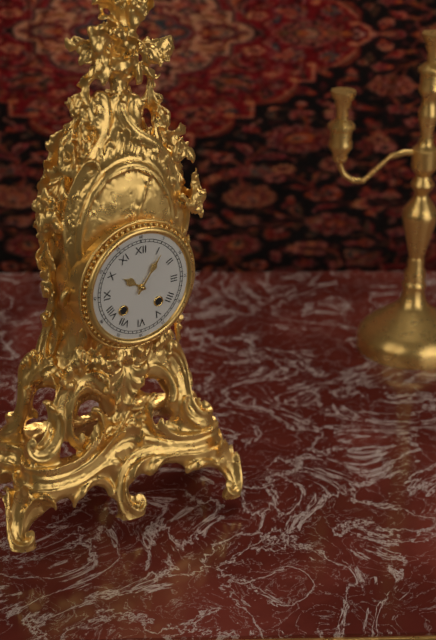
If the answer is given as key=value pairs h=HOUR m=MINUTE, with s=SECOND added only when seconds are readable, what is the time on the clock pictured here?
h=10 m=6
